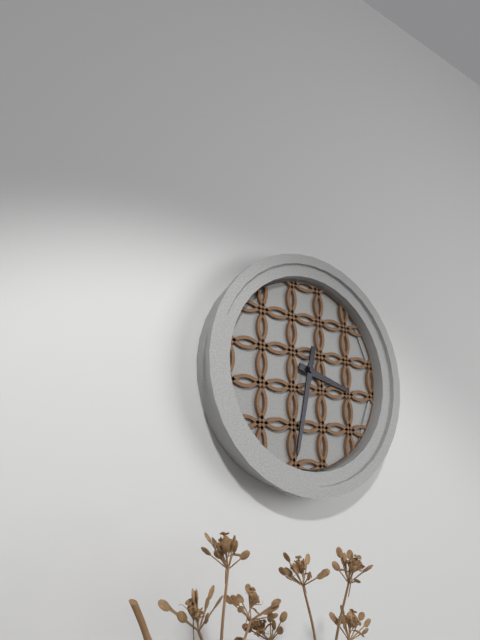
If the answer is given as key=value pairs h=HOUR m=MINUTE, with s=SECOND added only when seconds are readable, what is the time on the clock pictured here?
h=3 m=32
